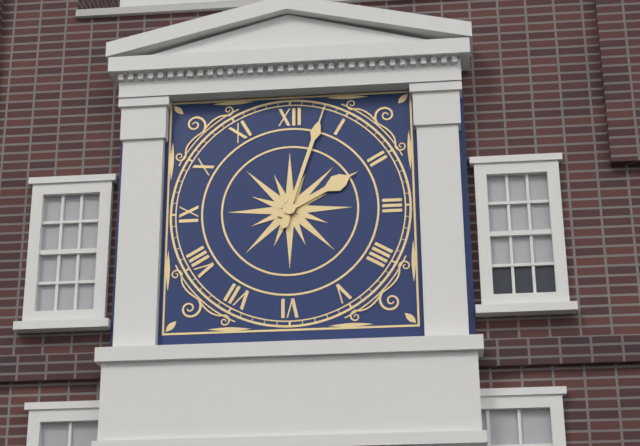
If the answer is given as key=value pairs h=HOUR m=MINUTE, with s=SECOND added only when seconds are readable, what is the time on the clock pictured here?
h=2 m=3
